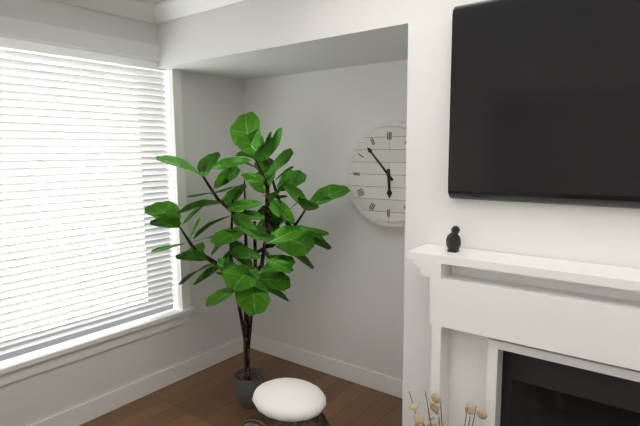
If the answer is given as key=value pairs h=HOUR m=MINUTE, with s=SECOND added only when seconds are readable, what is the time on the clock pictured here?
h=5 m=53
